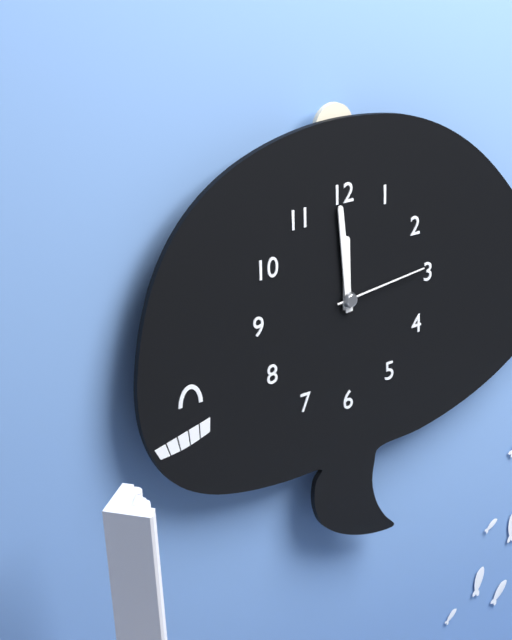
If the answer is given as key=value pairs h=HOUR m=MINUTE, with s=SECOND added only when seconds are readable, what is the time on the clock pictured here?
h=11 m=59 s=14
